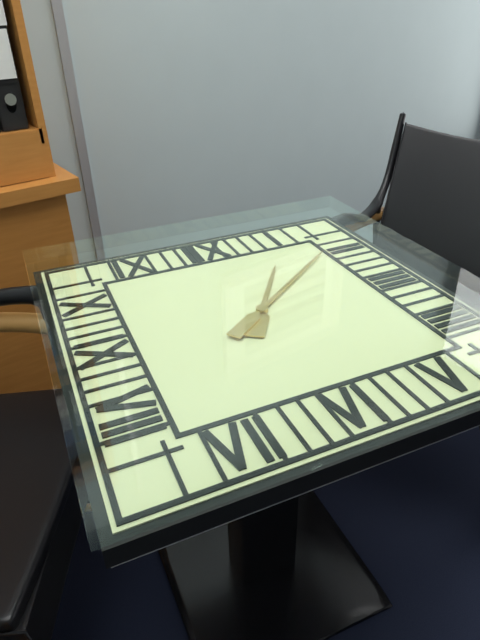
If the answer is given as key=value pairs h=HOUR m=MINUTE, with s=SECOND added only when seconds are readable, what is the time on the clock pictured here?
h=1 m=9
